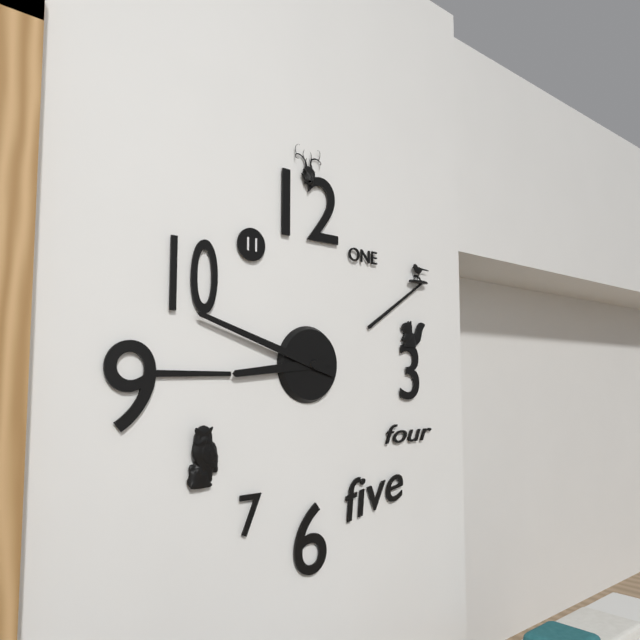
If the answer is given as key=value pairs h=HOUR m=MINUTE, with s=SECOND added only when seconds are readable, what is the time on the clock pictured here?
h=8 m=48
